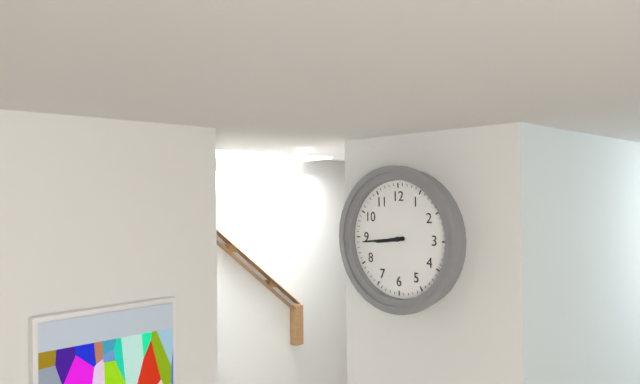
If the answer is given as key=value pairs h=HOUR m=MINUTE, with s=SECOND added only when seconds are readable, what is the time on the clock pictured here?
h=8 m=44
